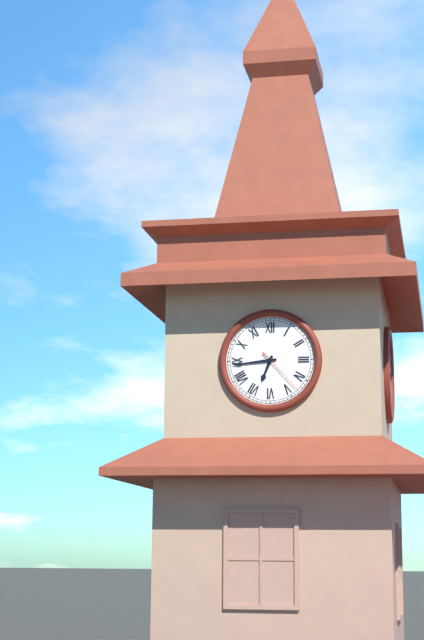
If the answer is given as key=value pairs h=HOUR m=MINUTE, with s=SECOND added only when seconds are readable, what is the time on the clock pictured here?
h=6 m=44
